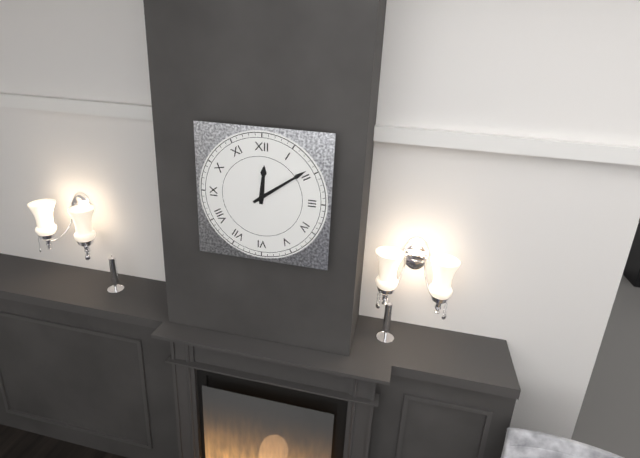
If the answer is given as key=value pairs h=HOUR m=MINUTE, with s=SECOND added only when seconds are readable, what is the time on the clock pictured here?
h=12 m=9
